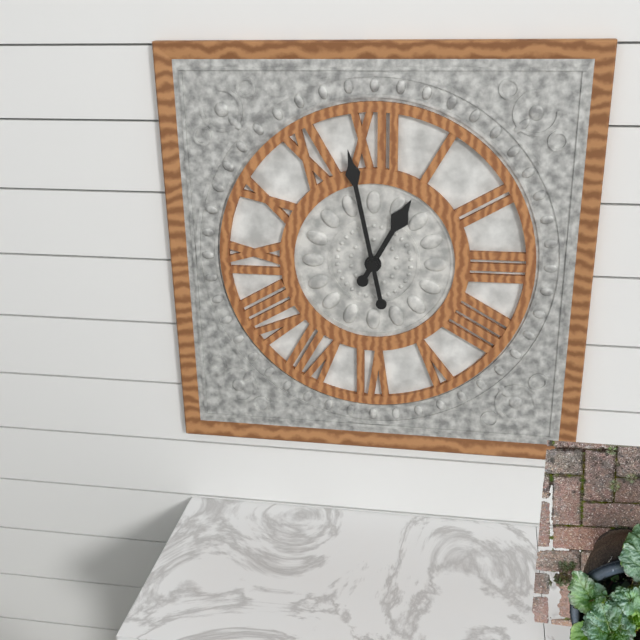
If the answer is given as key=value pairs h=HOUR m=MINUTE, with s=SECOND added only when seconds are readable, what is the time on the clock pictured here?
h=12 m=58
